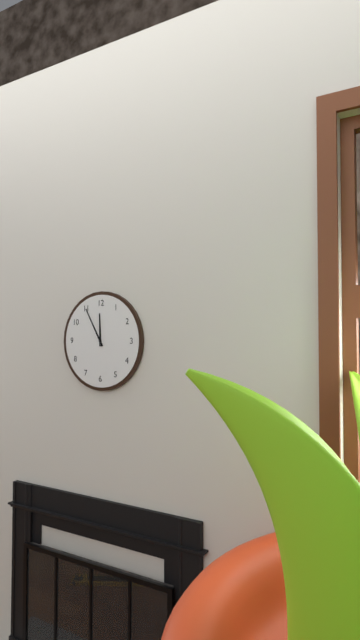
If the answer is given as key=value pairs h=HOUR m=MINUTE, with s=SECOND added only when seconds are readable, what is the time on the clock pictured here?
h=11 m=55
